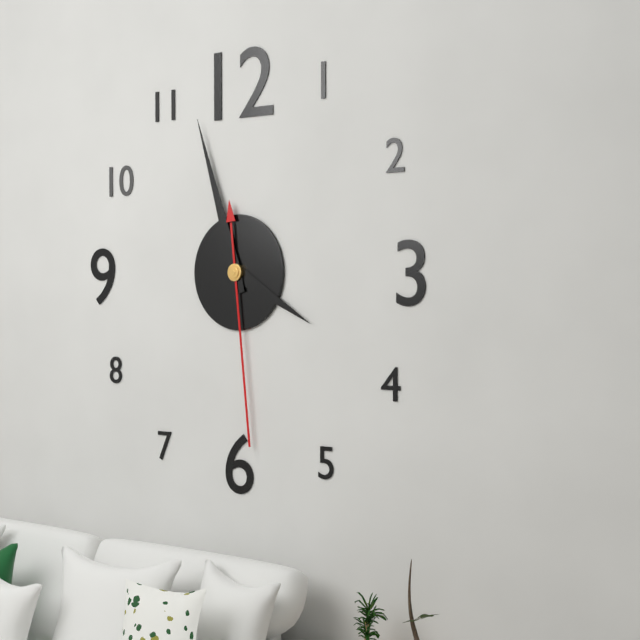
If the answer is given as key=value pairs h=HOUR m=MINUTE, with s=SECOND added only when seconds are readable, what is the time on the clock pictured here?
h=3 m=57 s=29
